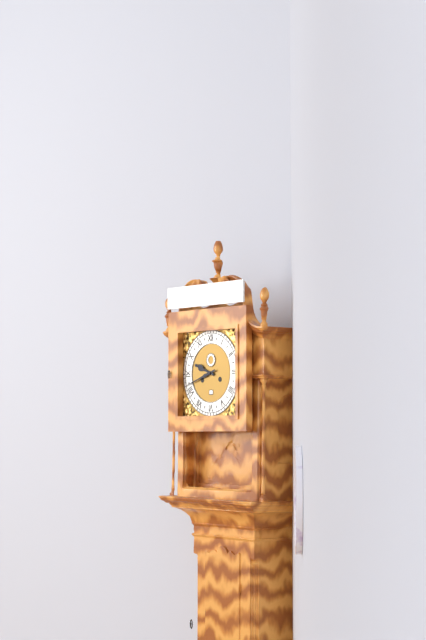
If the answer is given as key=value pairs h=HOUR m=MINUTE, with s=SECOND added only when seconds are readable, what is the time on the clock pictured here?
h=9 m=42
